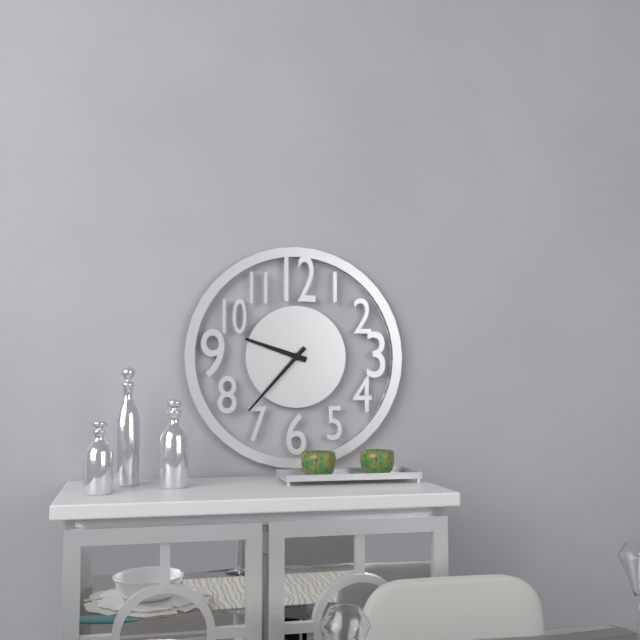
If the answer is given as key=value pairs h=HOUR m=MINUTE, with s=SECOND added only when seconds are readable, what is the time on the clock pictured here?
h=9 m=37
